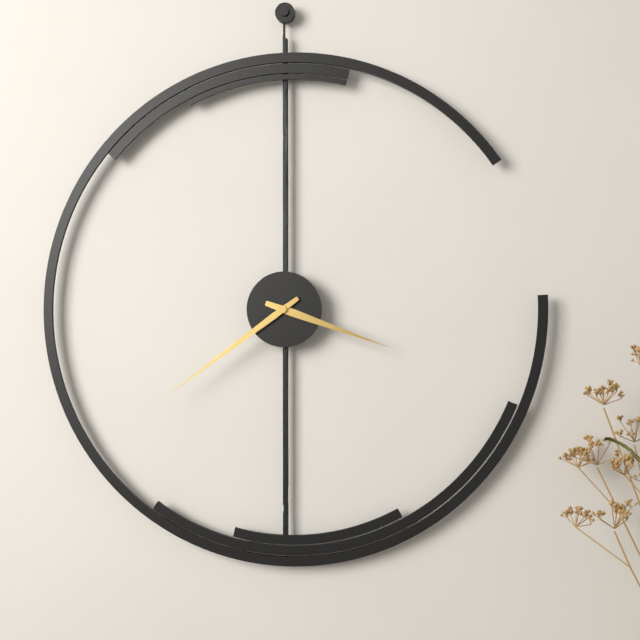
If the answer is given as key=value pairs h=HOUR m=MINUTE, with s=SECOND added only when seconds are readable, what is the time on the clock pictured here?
h=3 m=39
